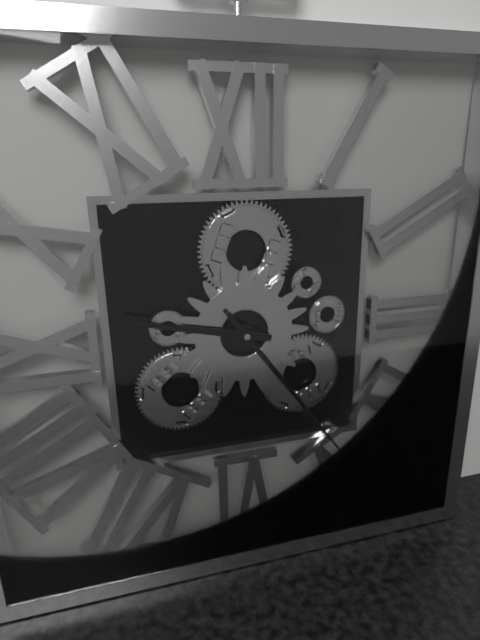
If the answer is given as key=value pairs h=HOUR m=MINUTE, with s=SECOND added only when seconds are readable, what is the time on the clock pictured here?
h=9 m=24
